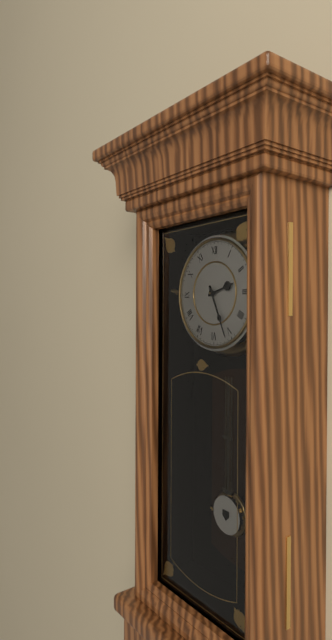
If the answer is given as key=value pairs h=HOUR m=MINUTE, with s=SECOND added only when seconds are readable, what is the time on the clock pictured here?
h=2 m=26
